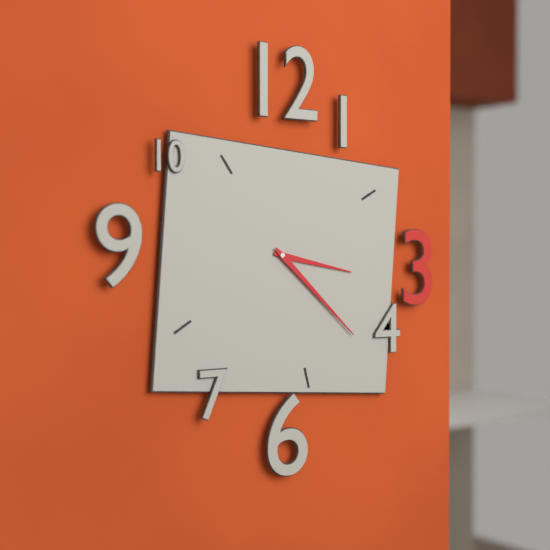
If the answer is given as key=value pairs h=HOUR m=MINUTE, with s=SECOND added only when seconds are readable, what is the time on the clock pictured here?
h=3 m=22
